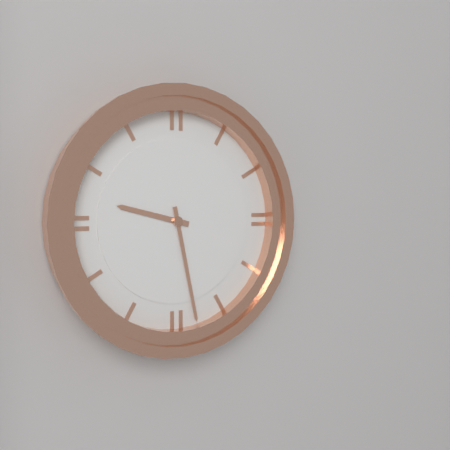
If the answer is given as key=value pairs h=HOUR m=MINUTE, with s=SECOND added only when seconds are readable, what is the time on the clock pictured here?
h=9 m=28
